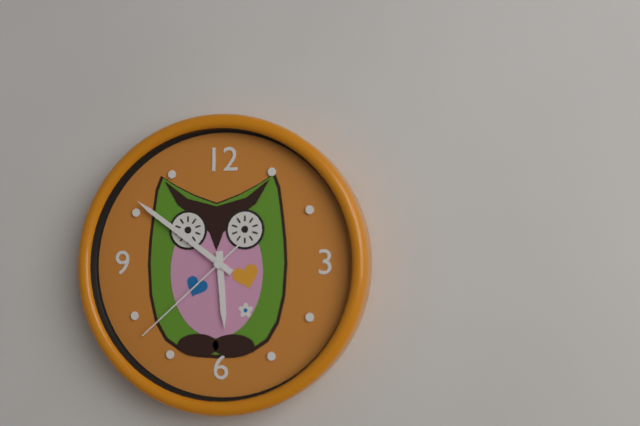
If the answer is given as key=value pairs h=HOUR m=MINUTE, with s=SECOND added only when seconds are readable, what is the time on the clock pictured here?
h=5 m=51 s=38
